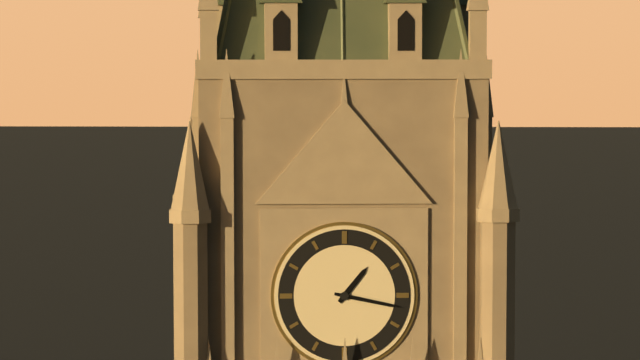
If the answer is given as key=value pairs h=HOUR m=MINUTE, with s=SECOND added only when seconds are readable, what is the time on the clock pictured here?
h=1 m=17
